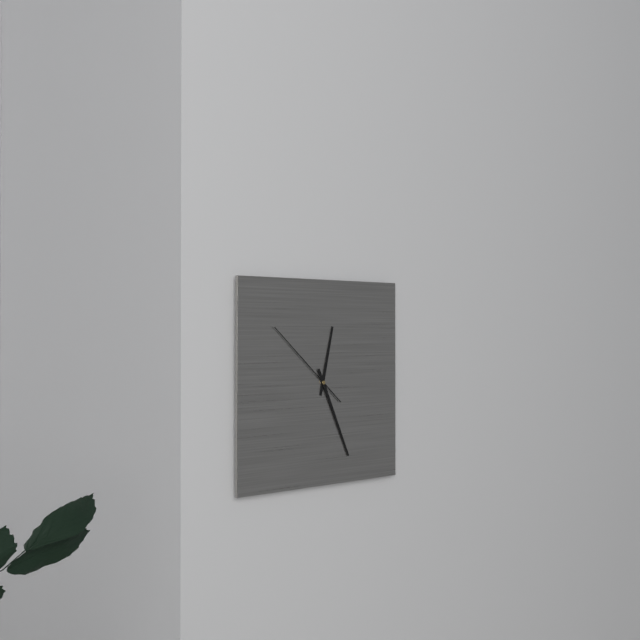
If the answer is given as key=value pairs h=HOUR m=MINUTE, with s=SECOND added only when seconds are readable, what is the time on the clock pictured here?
h=12 m=26 s=52
